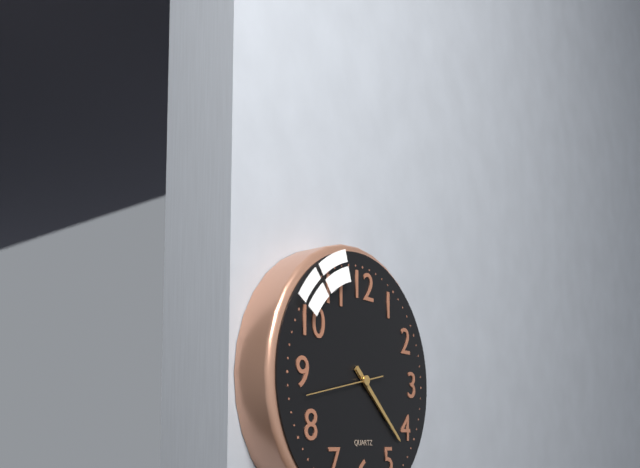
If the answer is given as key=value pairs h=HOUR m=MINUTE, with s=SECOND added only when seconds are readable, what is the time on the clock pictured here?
h=4 m=22 s=43
